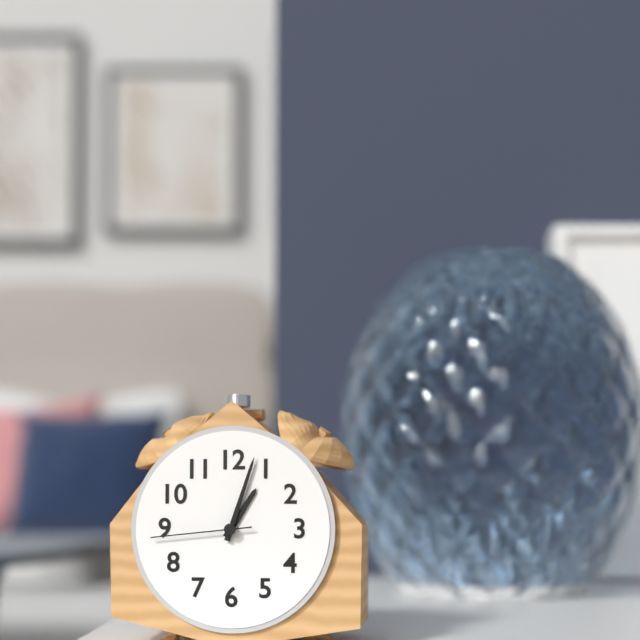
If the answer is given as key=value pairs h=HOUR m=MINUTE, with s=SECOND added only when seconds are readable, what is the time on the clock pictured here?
h=1 m=3 s=44
